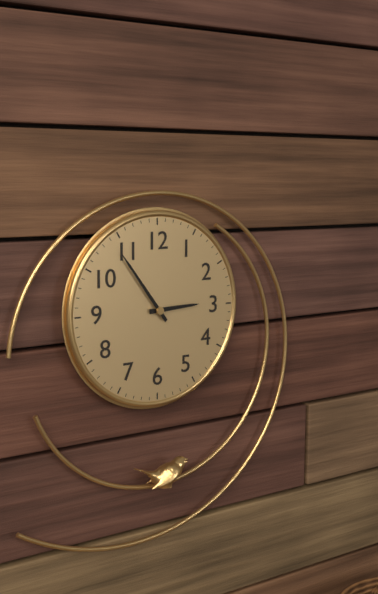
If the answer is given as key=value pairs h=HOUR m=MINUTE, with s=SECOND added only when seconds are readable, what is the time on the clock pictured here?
h=2 m=54
